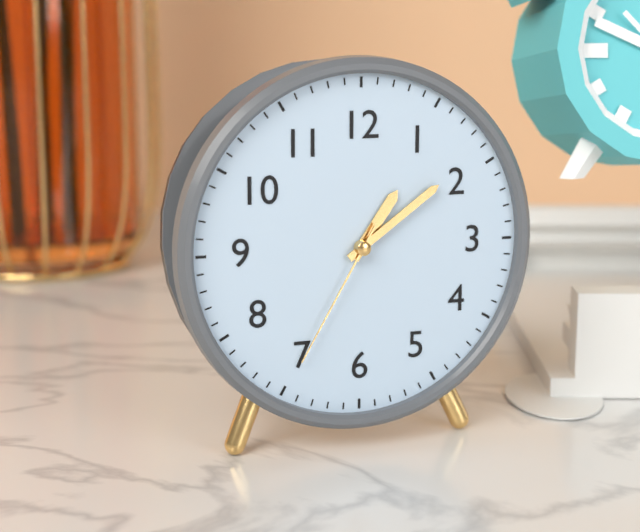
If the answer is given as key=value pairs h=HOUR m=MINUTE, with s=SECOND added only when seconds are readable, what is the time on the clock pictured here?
h=1 m=9 s=35
